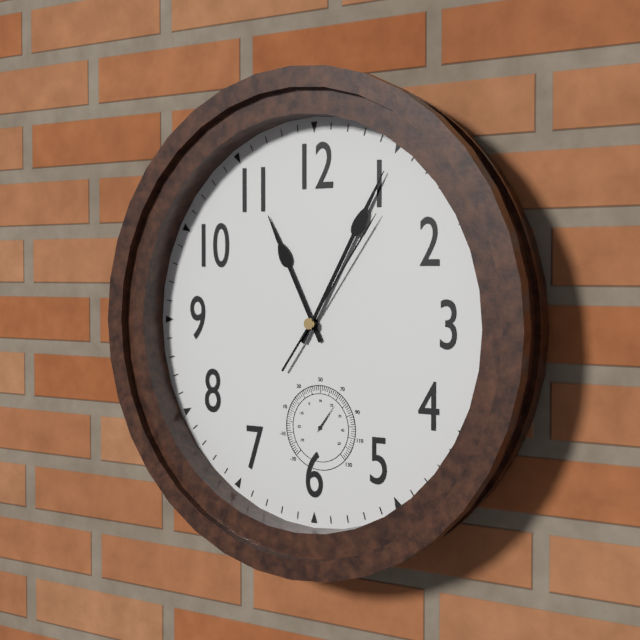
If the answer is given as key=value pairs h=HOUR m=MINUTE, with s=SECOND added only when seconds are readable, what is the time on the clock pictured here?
h=11 m=5 s=6
